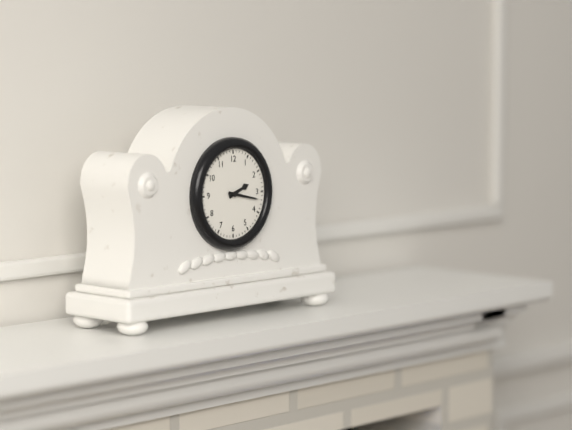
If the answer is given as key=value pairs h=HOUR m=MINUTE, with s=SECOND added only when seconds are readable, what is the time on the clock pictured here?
h=2 m=17
